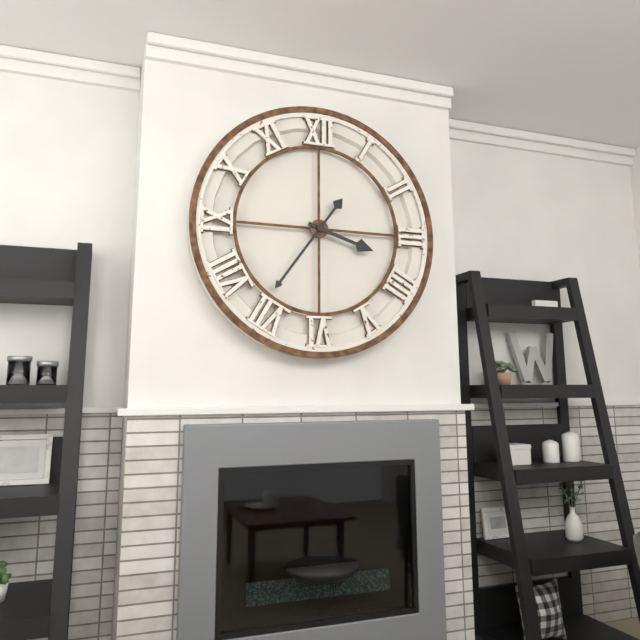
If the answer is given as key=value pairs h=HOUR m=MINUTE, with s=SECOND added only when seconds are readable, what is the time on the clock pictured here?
h=3 m=36
